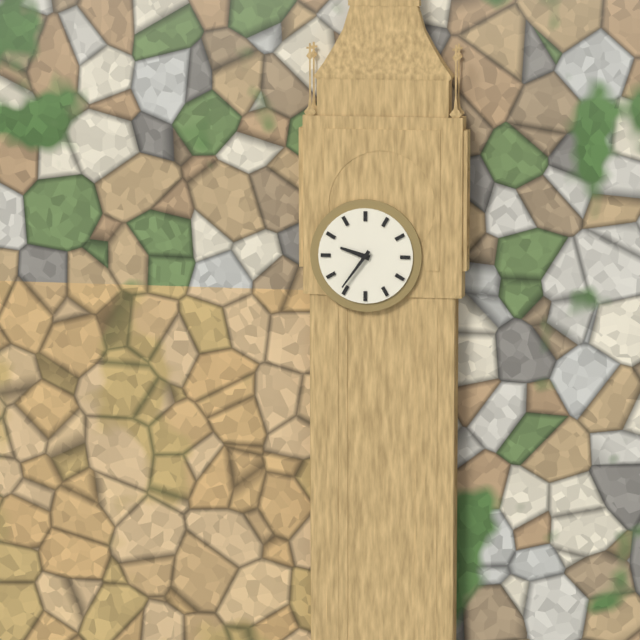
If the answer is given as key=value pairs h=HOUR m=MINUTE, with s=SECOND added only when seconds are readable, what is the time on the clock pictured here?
h=9 m=36
